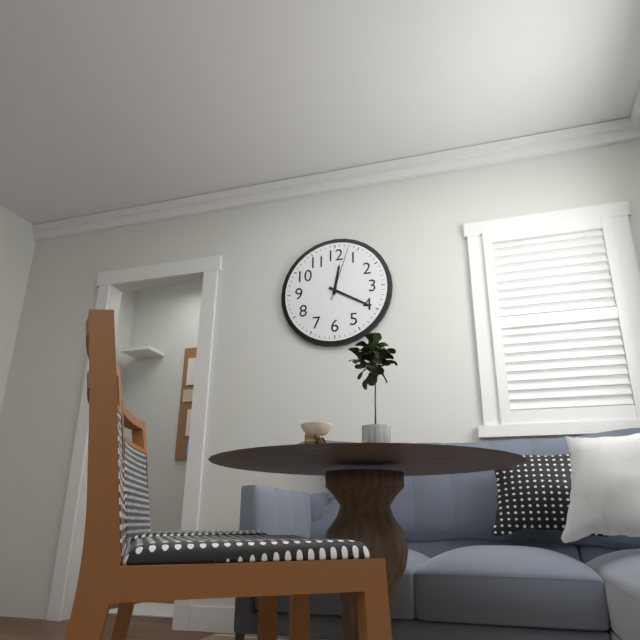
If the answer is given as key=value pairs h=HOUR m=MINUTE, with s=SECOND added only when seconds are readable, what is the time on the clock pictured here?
h=12 m=20 s=3
